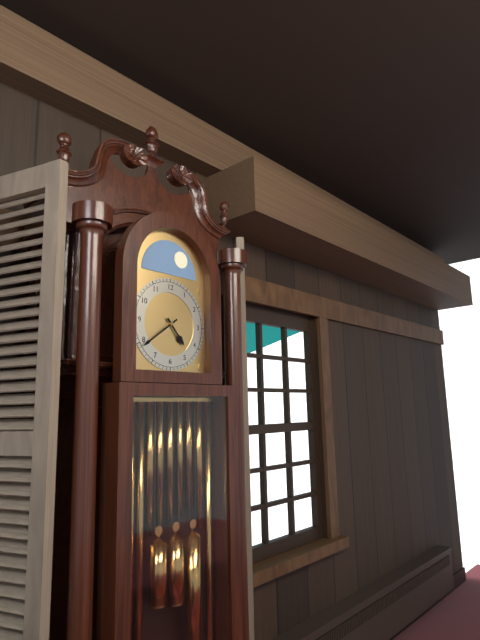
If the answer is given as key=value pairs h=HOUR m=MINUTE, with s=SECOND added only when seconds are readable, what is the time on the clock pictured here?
h=4 m=39
